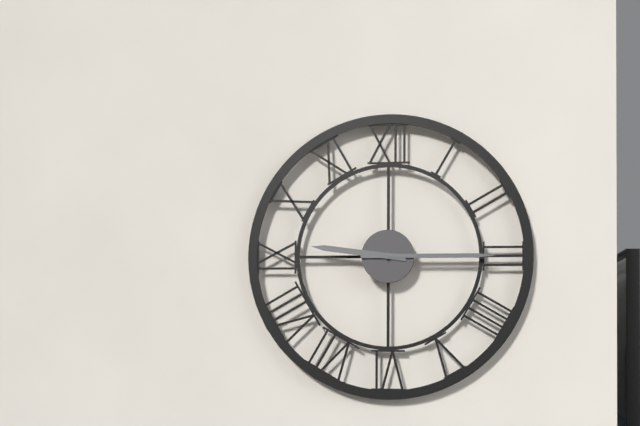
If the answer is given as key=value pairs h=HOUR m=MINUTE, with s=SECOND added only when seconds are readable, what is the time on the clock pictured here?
h=9 m=15
